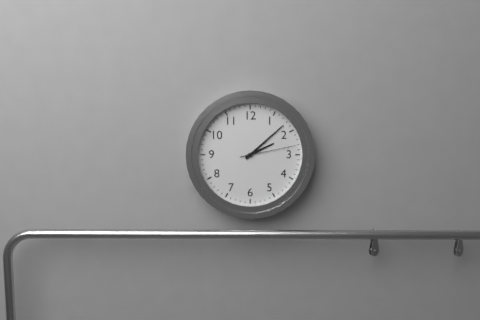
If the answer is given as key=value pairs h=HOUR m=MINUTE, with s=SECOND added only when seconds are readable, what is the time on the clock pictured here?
h=2 m=8 s=13
